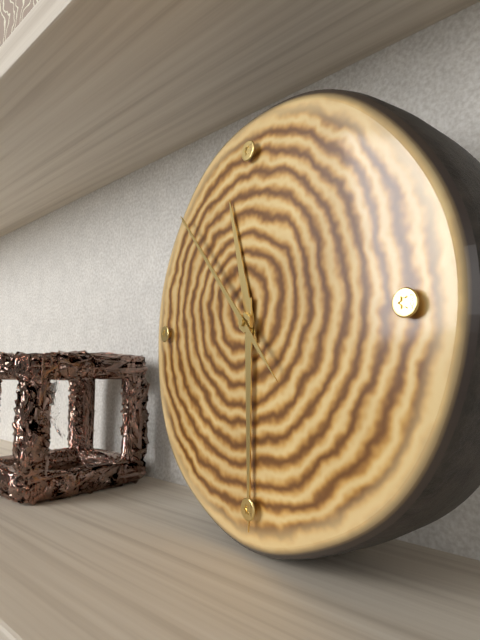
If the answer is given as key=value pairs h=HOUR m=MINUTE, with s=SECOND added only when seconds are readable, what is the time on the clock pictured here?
h=11 m=30 s=53
